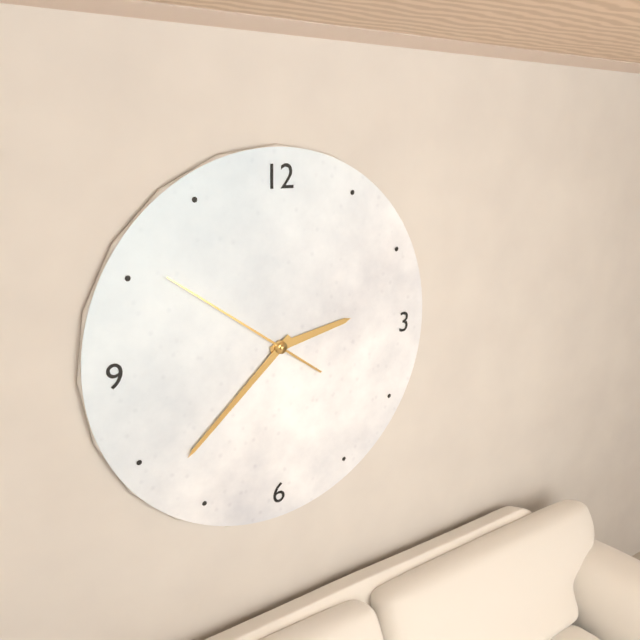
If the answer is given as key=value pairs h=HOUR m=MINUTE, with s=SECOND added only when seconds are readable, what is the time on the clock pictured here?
h=2 m=38 s=51
